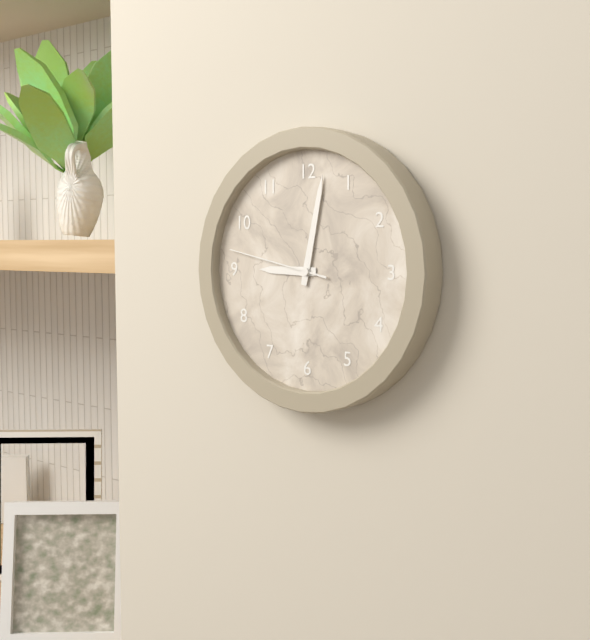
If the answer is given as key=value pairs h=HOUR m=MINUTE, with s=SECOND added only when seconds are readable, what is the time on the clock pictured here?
h=9 m=2 s=47
